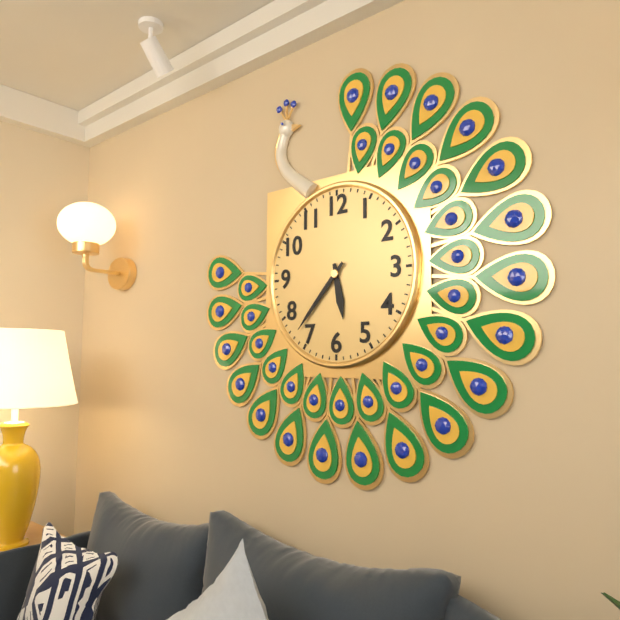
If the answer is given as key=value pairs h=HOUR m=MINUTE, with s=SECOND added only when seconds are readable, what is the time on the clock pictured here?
h=5 m=37
